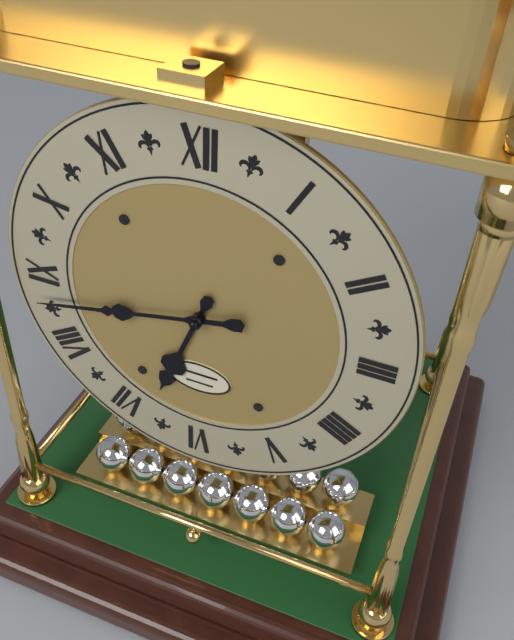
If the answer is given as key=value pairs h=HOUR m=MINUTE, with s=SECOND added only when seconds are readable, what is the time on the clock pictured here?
h=6 m=43
